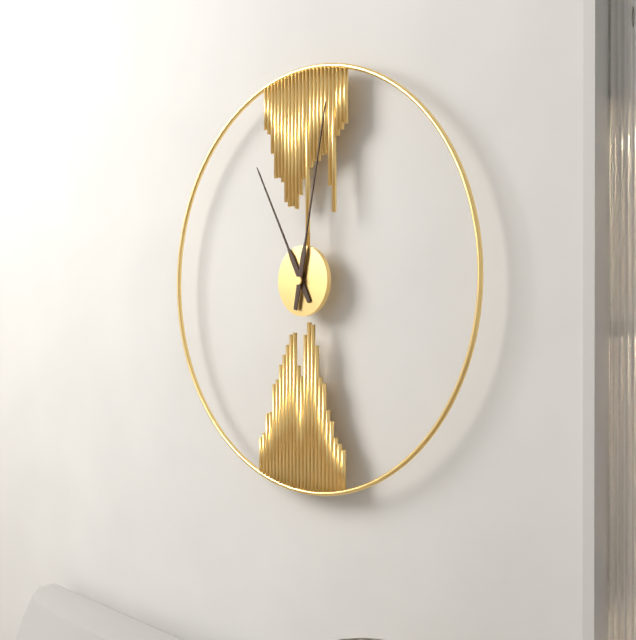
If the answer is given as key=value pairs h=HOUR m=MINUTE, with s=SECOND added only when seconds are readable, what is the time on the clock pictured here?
h=11 m=2
